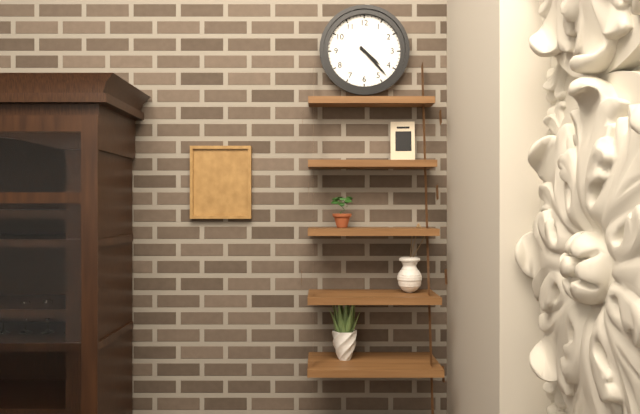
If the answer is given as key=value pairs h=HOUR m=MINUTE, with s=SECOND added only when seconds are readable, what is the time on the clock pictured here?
h=4 m=23
